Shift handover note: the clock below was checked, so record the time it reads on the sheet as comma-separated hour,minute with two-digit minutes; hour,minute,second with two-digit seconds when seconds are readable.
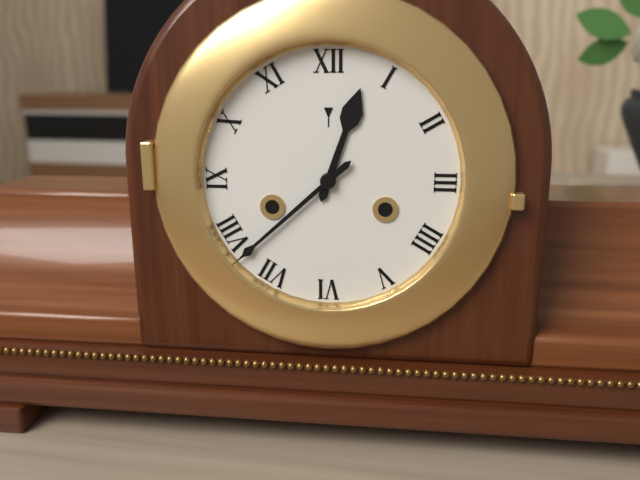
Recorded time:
12,38
